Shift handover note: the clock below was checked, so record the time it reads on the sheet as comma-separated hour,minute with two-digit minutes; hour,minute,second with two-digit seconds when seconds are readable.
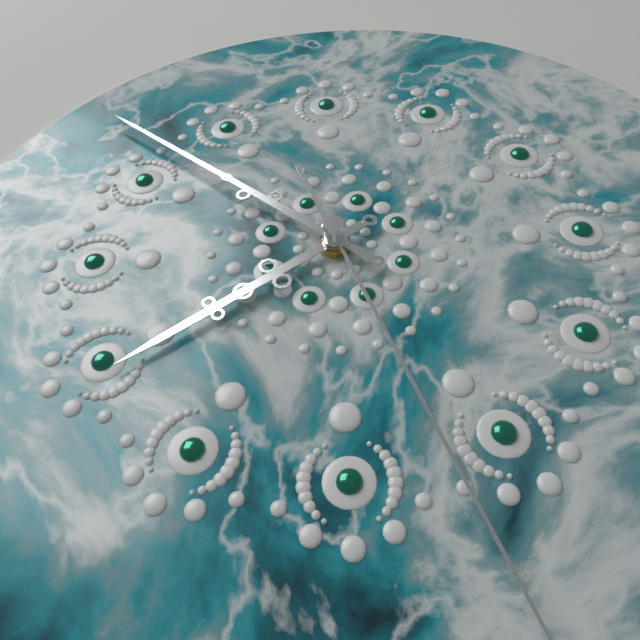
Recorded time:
7,52
